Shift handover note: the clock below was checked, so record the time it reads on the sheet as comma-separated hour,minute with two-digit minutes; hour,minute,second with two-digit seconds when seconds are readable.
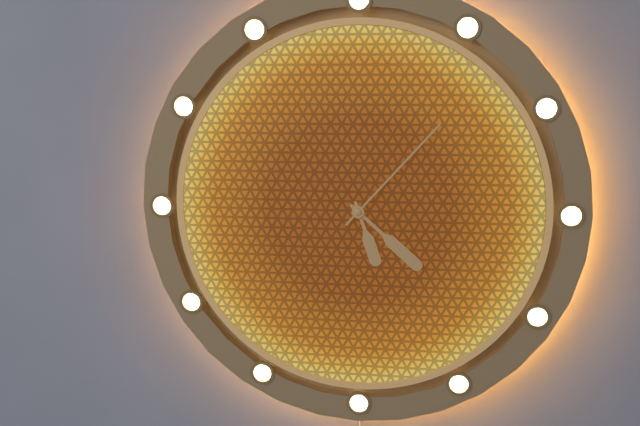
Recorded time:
5,22,07
